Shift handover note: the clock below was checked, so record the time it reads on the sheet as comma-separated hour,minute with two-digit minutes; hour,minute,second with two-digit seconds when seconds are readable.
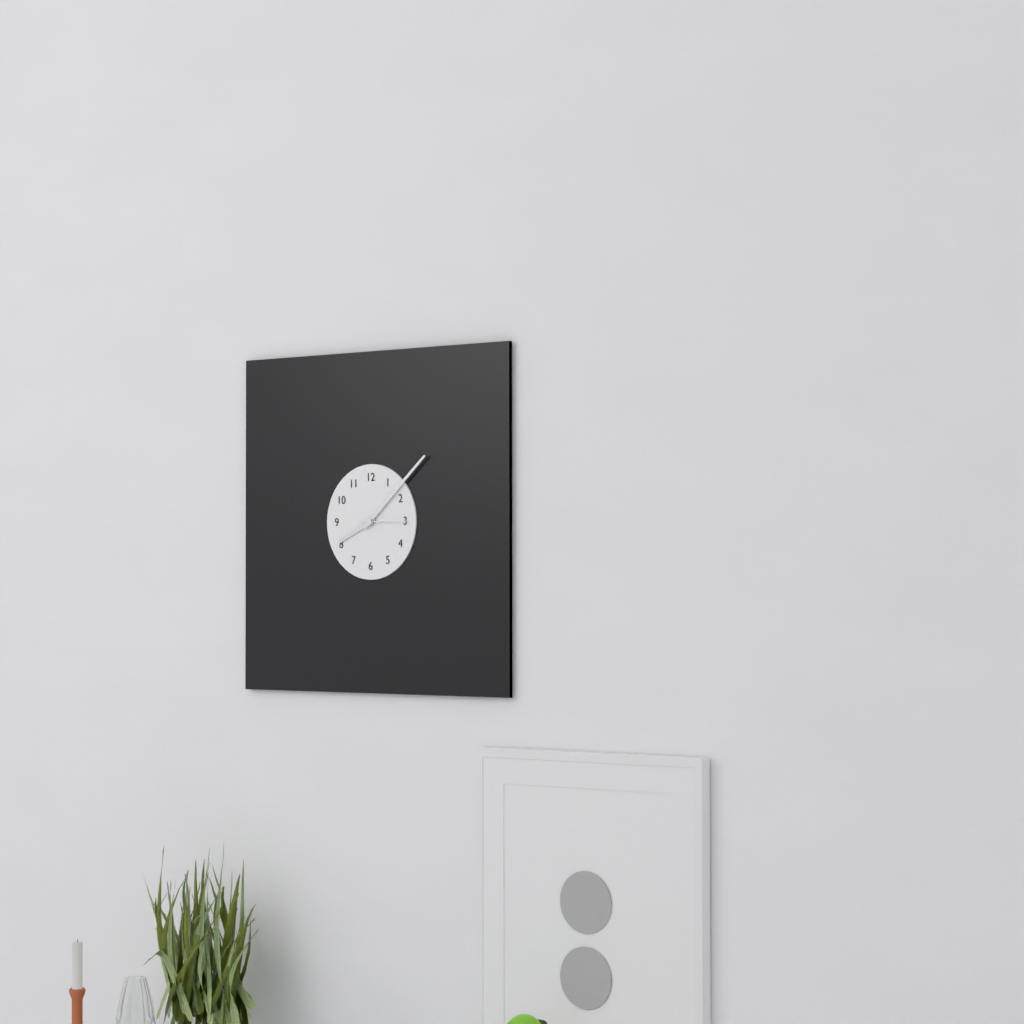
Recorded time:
8,08
